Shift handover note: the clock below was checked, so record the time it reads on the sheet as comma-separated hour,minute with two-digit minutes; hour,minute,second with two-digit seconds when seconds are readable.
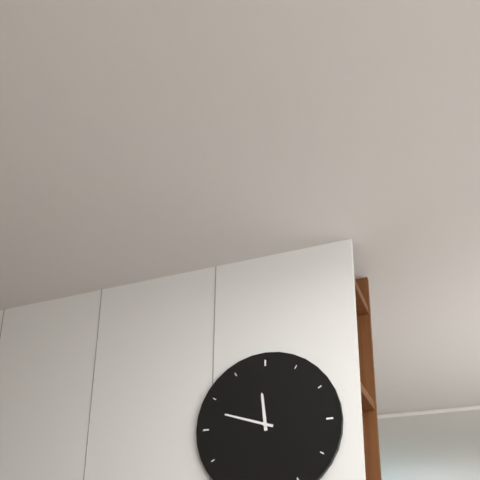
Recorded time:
11,48
